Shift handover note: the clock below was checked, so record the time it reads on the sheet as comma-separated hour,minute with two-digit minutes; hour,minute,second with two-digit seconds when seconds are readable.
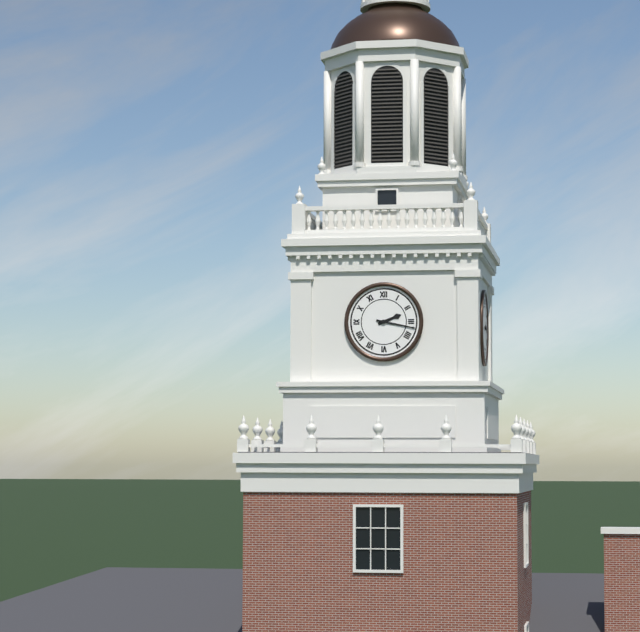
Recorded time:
2,17
